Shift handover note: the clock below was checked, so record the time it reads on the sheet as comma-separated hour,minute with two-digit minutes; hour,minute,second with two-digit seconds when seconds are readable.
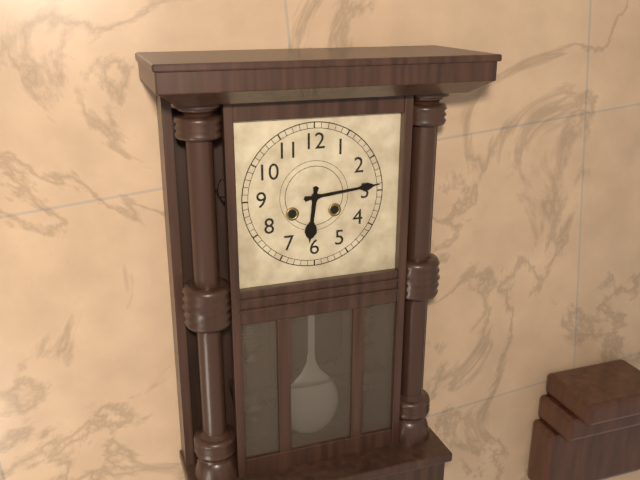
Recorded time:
6,14
